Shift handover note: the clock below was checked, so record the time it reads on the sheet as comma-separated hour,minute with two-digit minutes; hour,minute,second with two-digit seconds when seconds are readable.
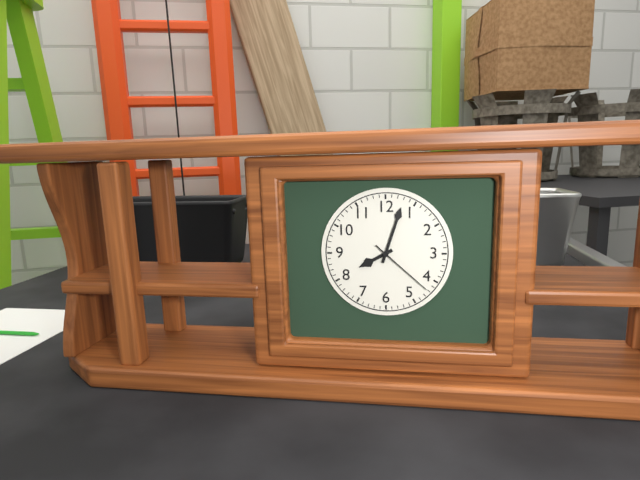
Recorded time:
8,03,22
